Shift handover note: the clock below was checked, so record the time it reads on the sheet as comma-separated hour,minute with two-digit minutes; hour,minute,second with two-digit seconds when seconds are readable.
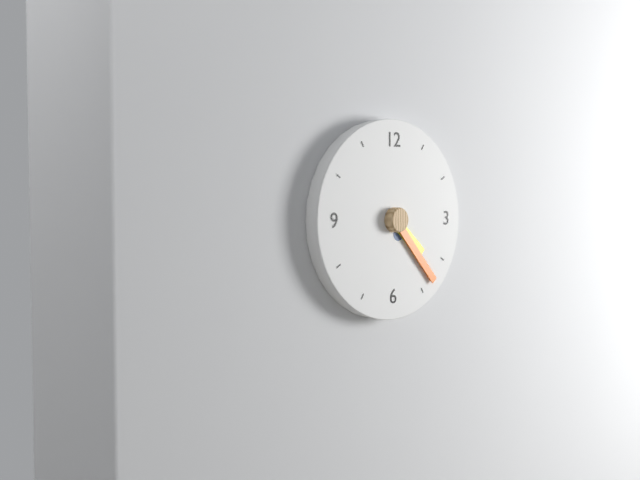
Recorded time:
4,23
